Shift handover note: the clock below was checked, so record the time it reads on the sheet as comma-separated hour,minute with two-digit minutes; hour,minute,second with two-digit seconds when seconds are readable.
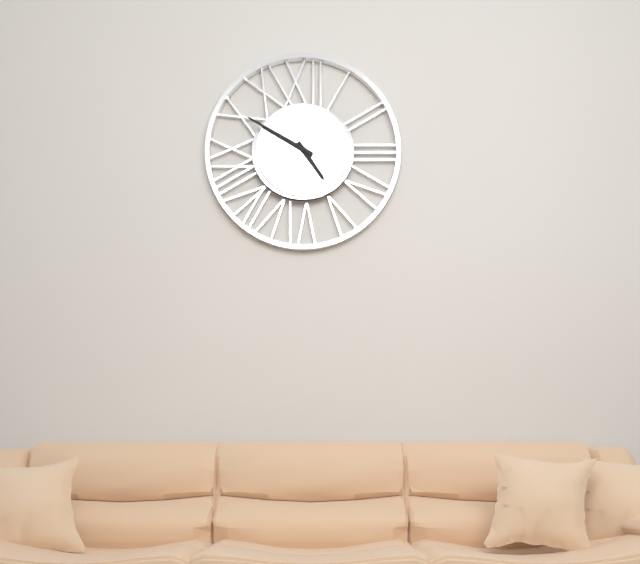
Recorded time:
4,50
